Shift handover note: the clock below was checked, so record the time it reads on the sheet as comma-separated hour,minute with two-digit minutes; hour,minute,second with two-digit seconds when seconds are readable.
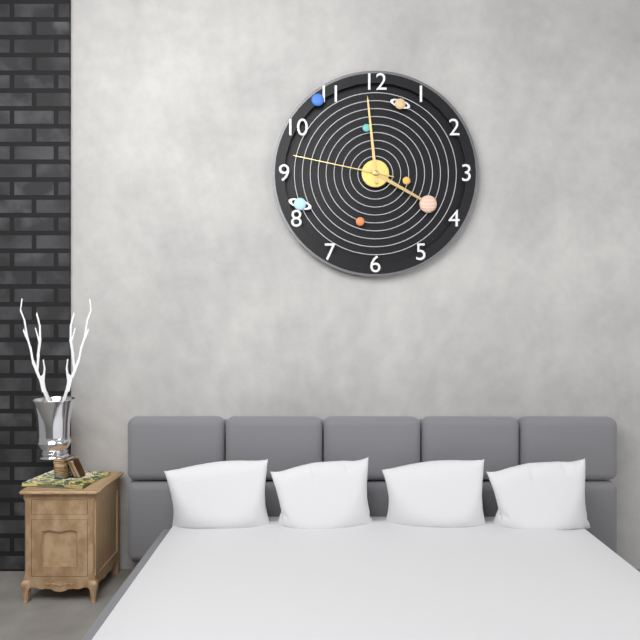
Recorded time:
3,59,47
